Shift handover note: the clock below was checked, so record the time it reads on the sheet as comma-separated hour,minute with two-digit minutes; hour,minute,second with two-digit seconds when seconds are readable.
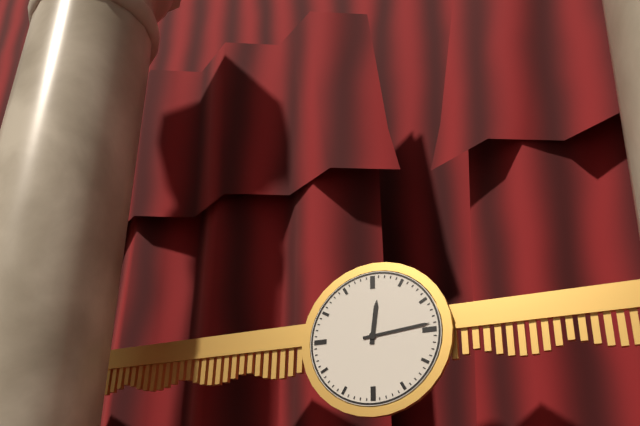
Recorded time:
12,14
